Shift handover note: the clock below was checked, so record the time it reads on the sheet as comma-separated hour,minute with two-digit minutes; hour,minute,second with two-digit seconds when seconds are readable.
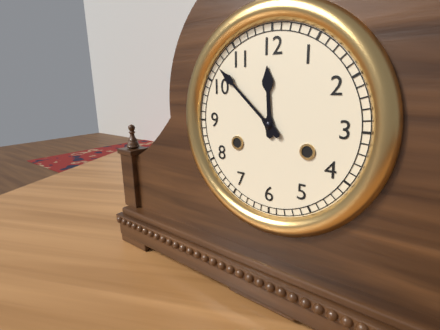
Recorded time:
11,52
